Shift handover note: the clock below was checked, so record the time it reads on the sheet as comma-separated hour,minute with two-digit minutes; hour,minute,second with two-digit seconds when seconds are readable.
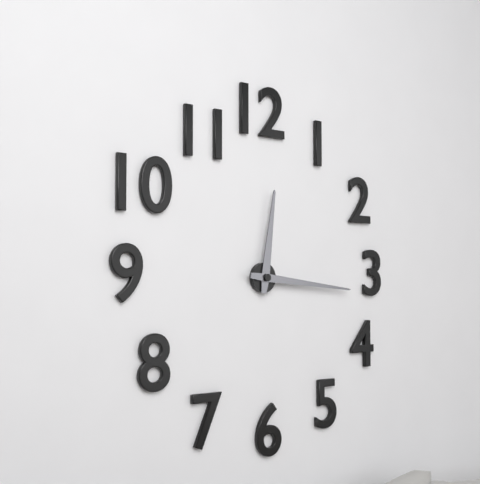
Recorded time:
12,16
